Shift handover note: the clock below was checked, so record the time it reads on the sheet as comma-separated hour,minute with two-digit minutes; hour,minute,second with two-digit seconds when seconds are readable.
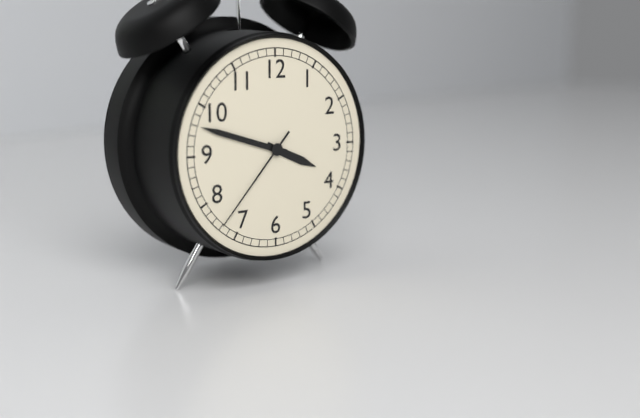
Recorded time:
3,48,37
